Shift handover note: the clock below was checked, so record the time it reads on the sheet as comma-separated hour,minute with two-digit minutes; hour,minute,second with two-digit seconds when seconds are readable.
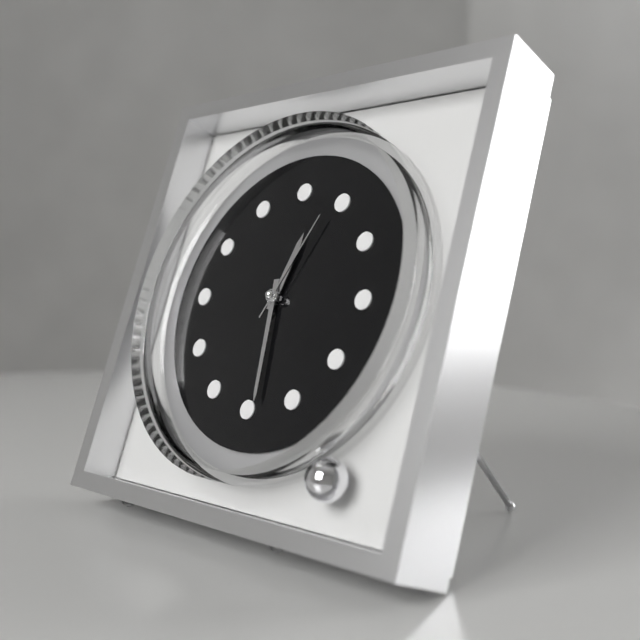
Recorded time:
12,29,04
